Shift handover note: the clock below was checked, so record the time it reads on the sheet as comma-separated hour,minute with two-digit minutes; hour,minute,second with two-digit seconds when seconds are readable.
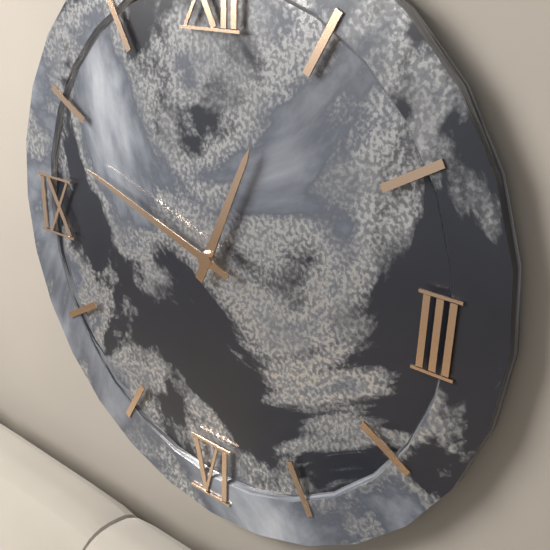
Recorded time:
12,48
